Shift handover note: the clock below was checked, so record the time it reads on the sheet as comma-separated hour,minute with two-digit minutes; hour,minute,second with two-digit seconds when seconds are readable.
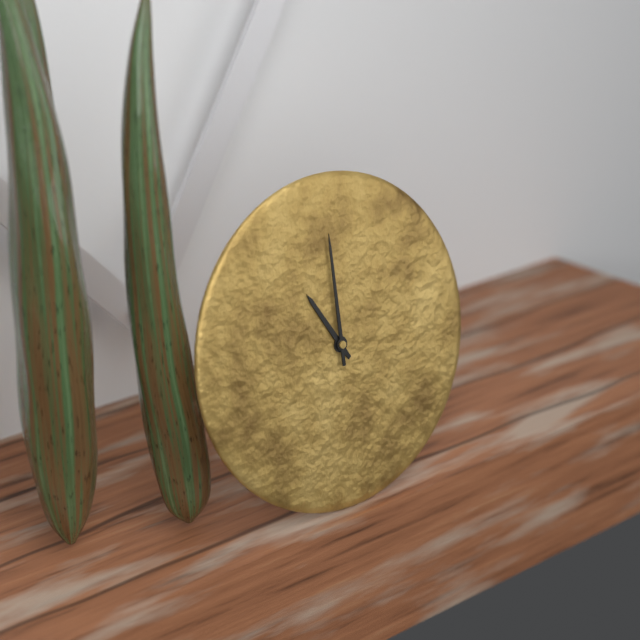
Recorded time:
11,00
